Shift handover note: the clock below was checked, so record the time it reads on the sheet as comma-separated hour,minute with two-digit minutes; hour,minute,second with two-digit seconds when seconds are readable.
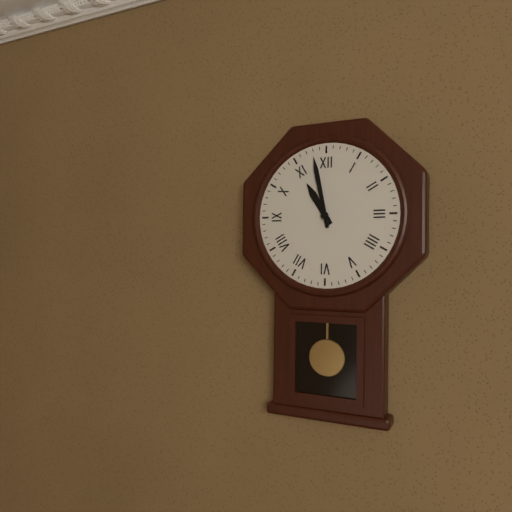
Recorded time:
10,58
